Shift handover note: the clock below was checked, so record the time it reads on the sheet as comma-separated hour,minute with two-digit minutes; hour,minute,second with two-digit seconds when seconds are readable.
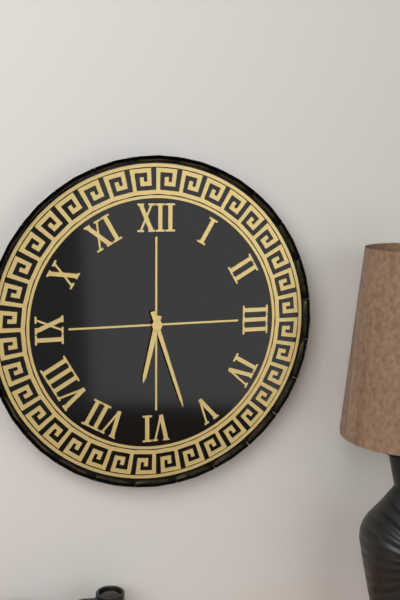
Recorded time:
6,27
